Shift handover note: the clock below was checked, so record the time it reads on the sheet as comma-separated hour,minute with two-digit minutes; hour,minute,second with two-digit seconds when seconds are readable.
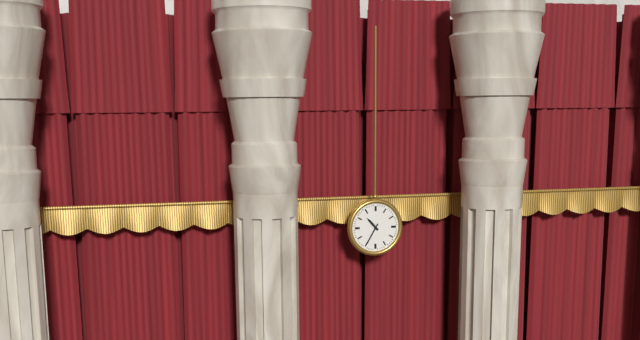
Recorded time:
10,35
